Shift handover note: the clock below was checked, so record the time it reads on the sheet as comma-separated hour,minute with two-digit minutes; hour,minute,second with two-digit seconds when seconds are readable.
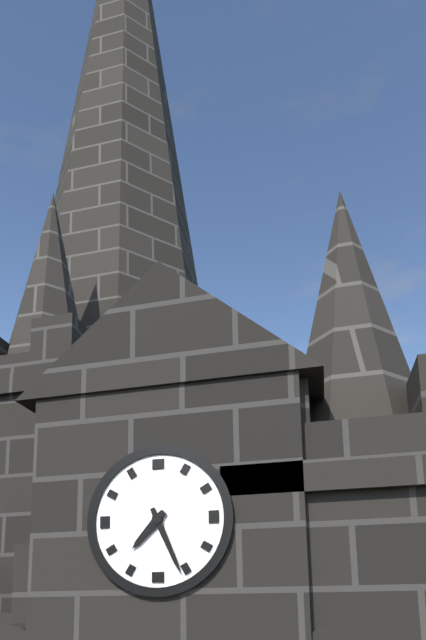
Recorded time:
7,26
